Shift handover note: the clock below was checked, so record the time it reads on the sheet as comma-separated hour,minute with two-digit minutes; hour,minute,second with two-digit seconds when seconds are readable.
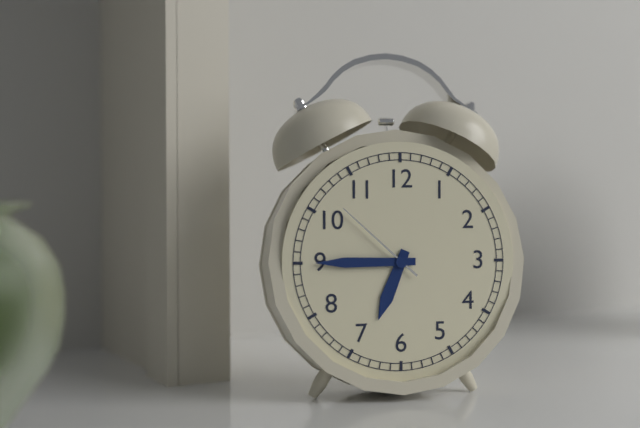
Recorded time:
6,45,52
